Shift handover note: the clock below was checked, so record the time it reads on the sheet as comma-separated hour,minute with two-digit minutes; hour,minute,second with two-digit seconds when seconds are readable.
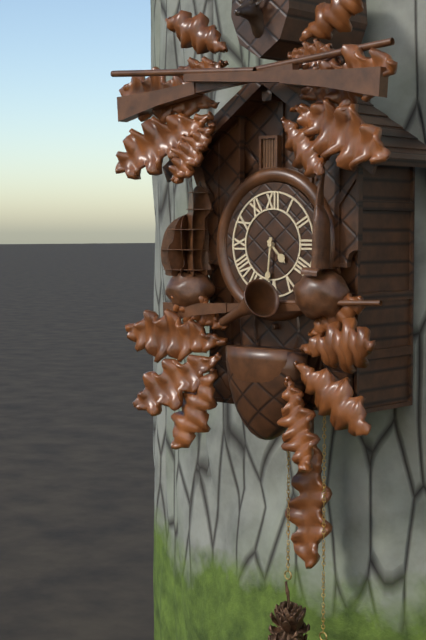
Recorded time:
4,31
